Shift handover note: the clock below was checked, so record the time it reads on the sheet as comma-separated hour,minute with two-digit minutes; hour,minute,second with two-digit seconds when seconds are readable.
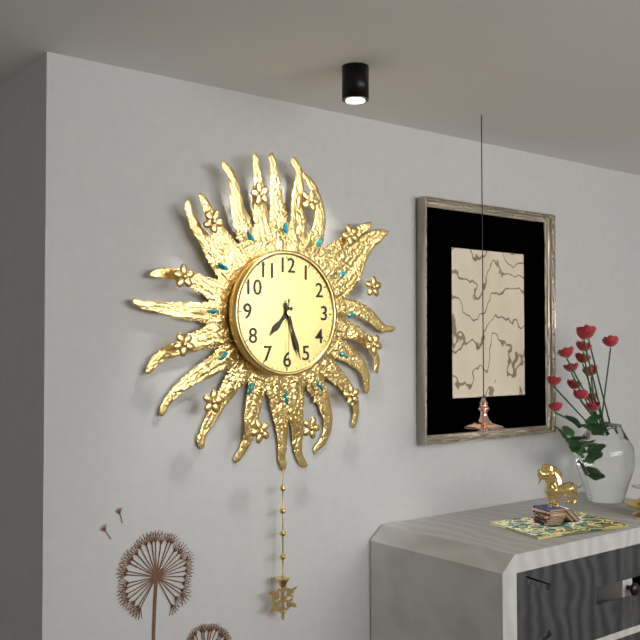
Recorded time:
7,27,30
